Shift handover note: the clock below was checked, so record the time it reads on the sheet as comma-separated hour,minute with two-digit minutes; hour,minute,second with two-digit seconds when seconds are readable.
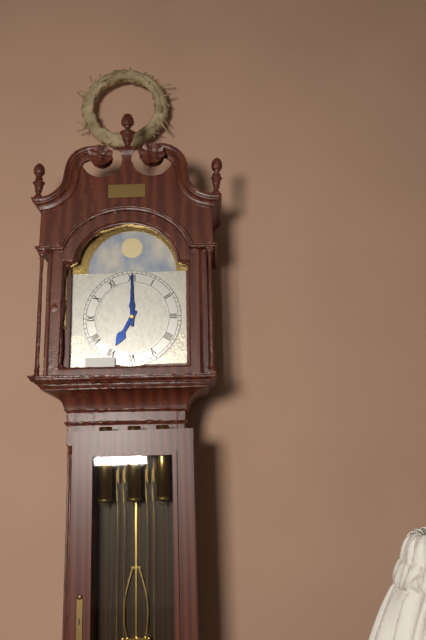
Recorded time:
7,00
